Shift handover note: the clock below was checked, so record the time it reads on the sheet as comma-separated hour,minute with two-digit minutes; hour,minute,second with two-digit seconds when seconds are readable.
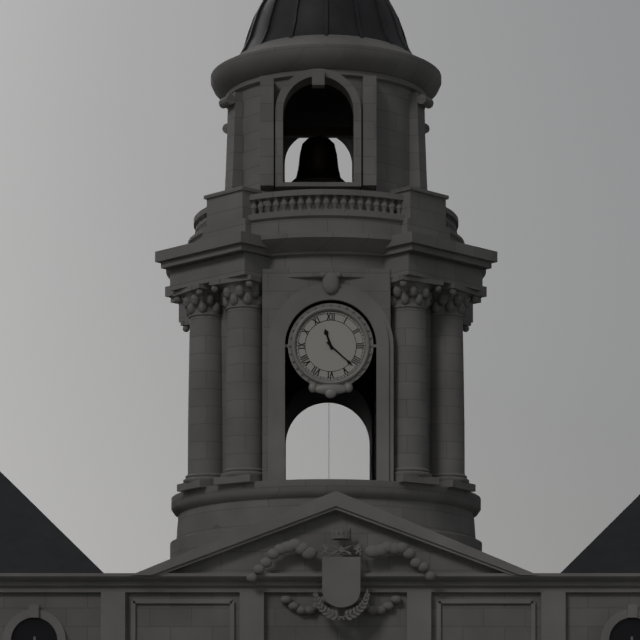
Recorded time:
11,22
